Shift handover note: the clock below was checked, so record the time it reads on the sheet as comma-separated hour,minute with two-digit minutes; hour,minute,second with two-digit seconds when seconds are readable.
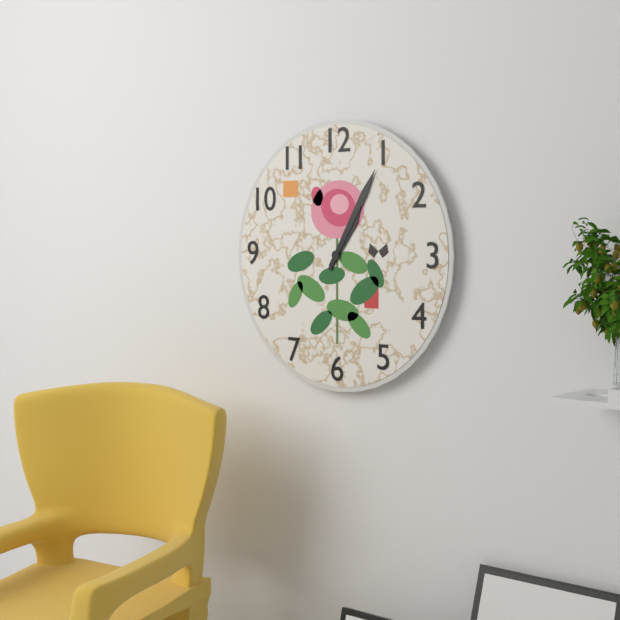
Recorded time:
1,05
